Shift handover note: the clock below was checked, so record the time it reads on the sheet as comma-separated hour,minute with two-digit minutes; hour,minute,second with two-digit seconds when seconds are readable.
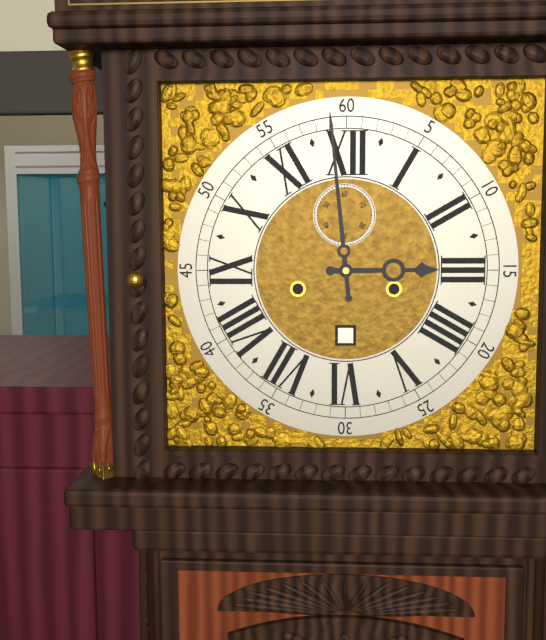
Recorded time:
2,59
